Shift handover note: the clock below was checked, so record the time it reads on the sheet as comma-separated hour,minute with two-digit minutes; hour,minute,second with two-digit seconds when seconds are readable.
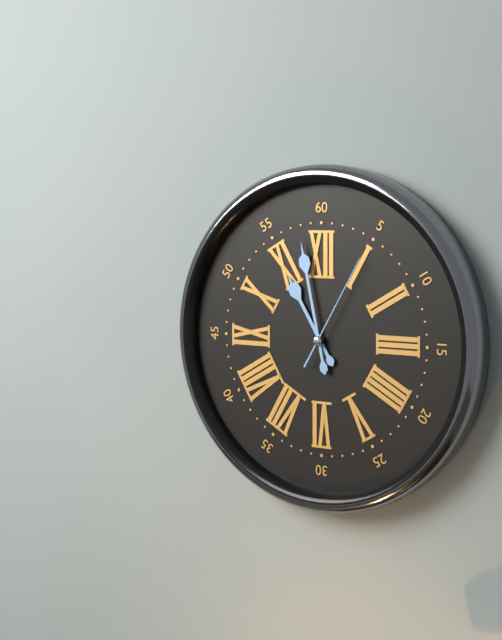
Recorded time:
10,58,05
